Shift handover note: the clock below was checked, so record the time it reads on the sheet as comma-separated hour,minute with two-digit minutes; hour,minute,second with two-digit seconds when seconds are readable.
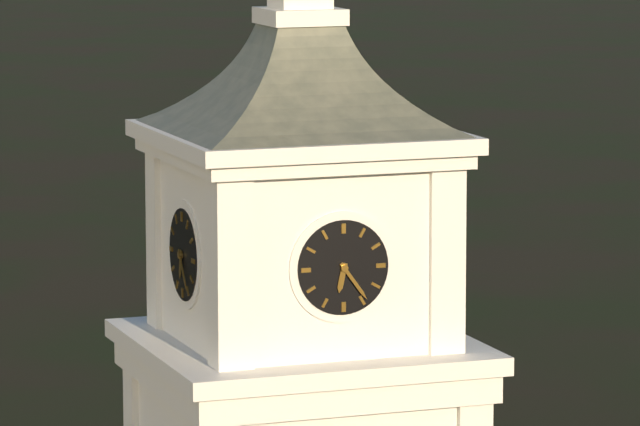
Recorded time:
6,24
